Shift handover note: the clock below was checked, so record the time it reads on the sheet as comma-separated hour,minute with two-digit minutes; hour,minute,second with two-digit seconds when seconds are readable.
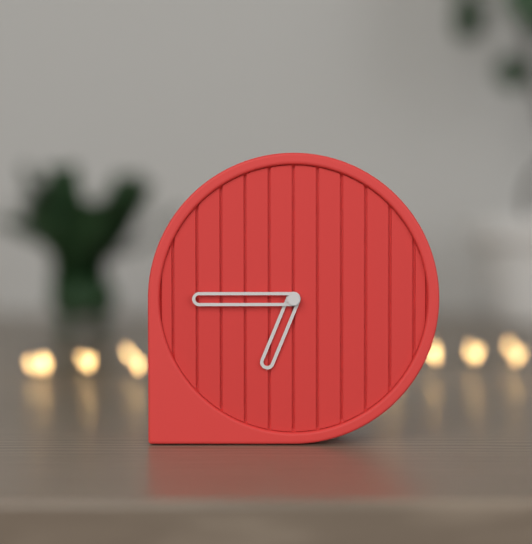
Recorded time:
6,45
